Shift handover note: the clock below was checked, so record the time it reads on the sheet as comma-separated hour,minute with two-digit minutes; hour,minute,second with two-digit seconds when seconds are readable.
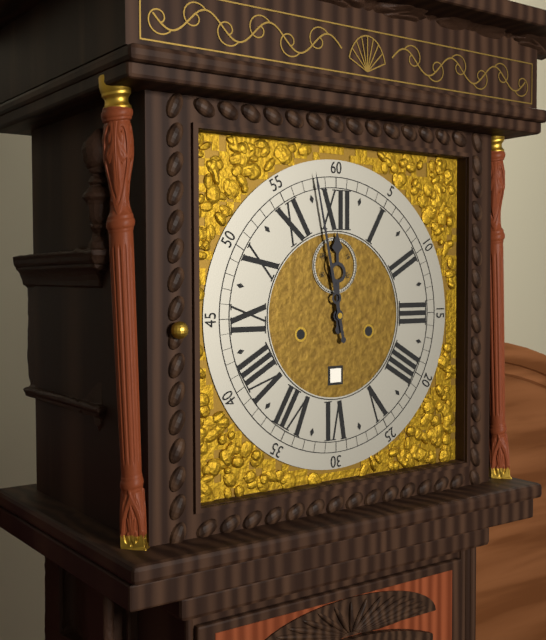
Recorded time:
11,58
